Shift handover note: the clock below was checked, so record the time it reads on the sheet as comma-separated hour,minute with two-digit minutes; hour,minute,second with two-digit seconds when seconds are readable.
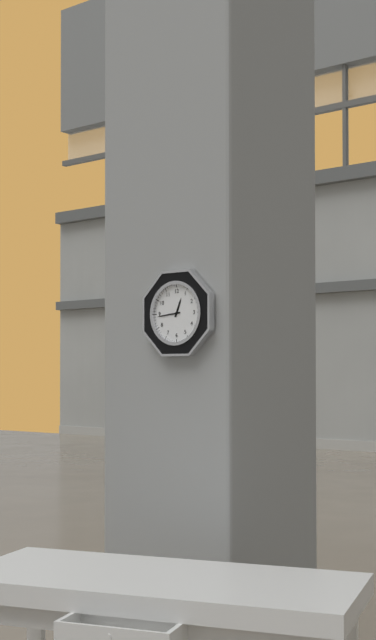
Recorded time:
12,44
